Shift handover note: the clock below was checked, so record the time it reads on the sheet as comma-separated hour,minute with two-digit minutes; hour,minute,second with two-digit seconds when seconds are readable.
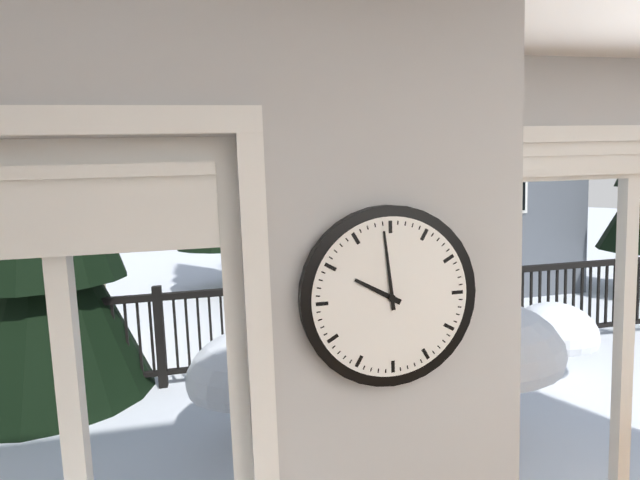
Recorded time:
9,59
